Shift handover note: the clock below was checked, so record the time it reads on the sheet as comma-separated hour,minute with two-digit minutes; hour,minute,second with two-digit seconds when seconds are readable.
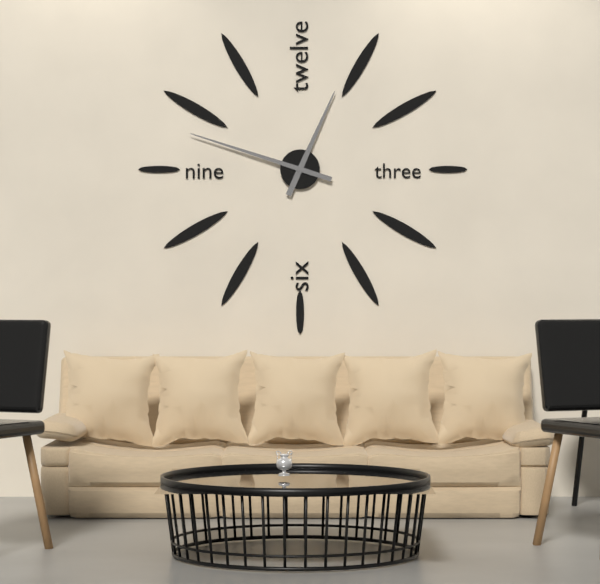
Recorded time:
12,48
